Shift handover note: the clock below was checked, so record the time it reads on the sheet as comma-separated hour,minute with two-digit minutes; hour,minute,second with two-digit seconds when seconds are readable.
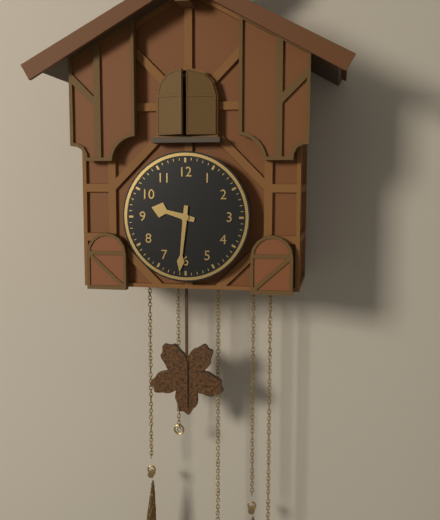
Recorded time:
9,31
